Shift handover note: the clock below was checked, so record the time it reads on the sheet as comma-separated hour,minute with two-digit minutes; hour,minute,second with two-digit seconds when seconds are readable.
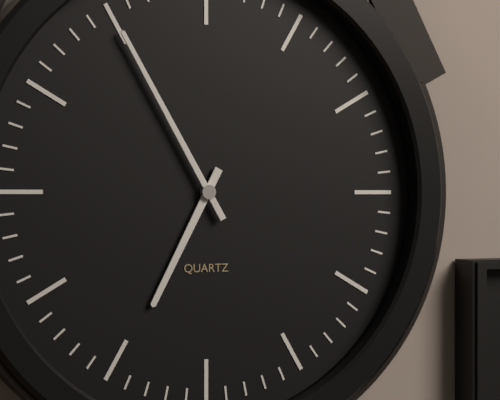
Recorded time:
6,55
